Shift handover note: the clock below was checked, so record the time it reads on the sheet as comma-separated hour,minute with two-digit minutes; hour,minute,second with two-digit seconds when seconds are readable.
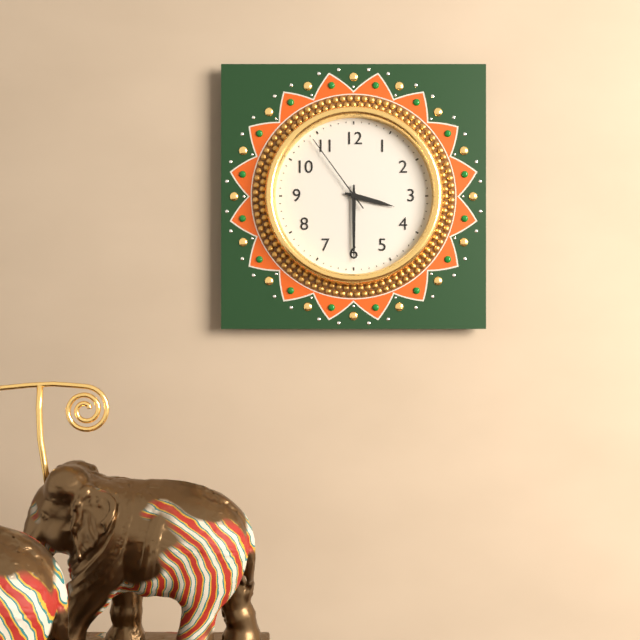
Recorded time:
3,30,54
